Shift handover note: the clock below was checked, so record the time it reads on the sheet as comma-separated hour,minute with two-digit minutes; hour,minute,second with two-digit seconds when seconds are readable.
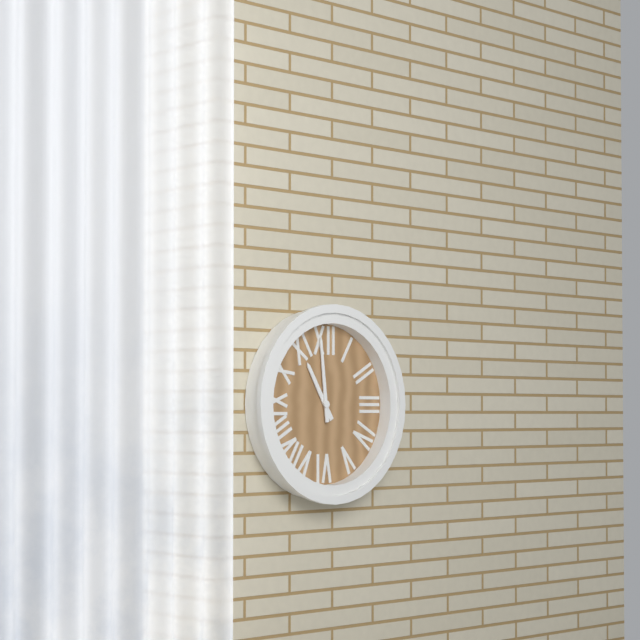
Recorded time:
10,59
